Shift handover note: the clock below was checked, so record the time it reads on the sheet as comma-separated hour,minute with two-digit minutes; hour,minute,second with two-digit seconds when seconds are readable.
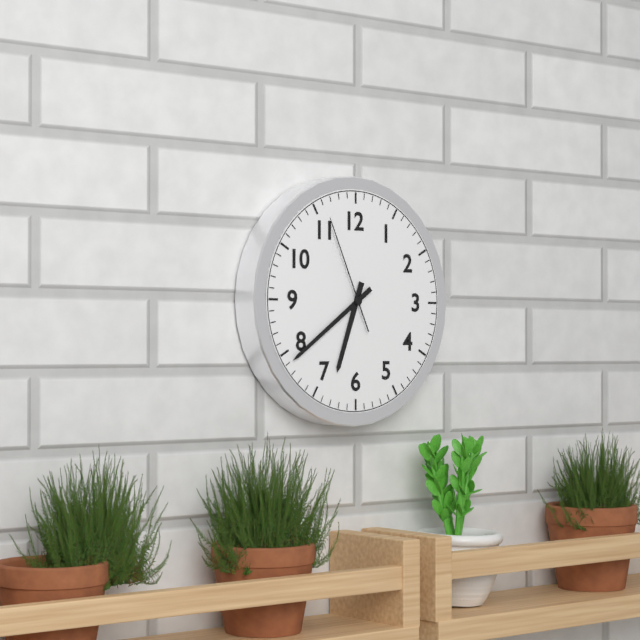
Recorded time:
6,39,56
